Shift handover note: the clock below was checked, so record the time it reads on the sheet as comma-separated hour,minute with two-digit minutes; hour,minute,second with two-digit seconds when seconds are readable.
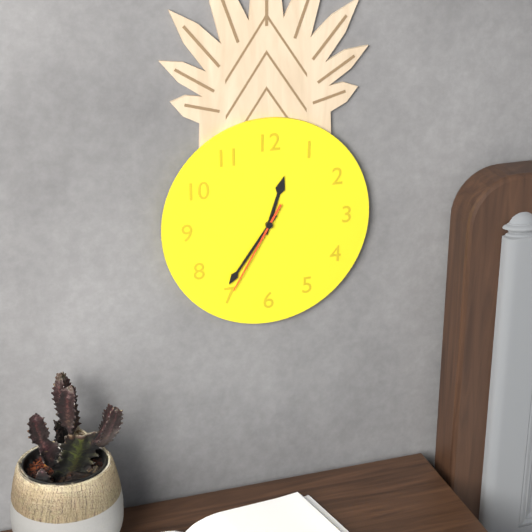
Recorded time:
12,36,35
